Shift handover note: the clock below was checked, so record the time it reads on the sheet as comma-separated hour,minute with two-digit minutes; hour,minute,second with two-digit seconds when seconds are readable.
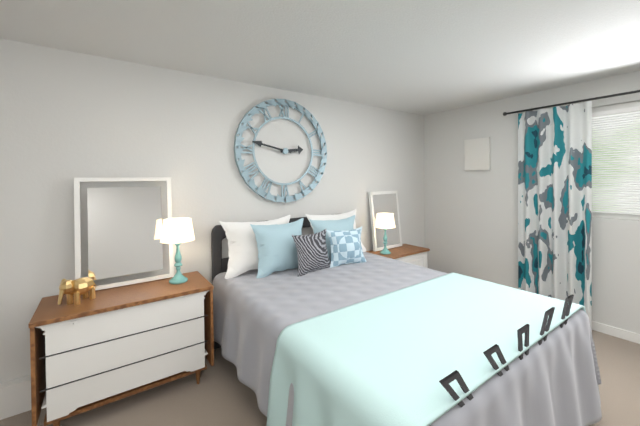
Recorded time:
2,47
